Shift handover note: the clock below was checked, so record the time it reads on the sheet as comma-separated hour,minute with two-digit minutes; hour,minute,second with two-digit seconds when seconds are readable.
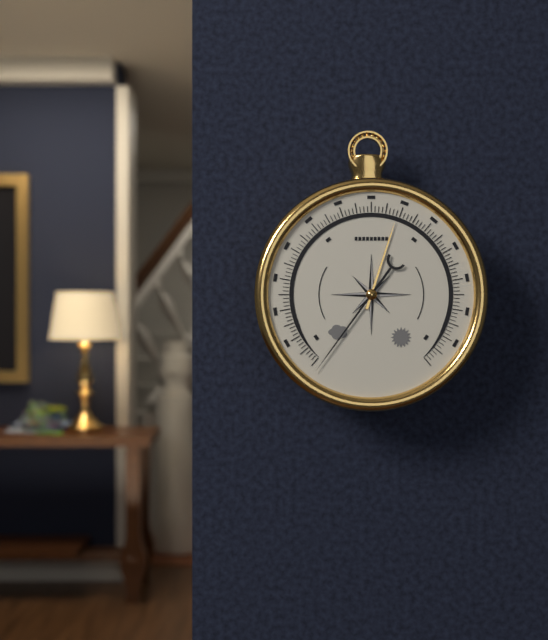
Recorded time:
12,36
